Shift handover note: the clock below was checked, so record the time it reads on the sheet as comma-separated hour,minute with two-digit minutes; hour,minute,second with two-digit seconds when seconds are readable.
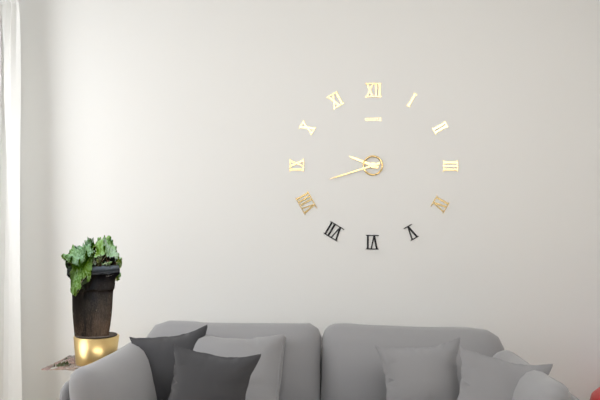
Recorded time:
9,42
